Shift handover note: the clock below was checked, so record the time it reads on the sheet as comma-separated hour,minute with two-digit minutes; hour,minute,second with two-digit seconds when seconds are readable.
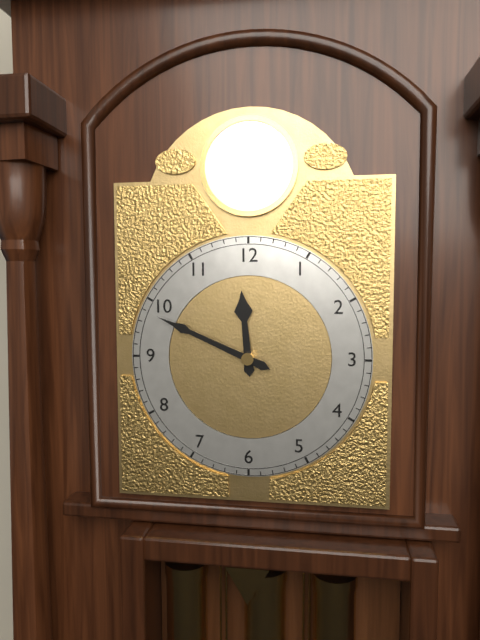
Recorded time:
11,49
